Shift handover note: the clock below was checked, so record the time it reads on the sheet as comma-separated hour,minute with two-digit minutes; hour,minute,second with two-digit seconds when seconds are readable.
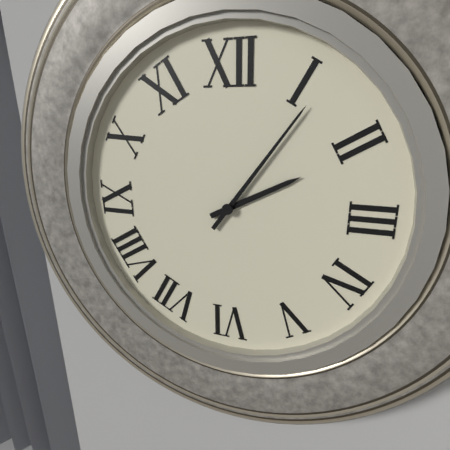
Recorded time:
2,06
